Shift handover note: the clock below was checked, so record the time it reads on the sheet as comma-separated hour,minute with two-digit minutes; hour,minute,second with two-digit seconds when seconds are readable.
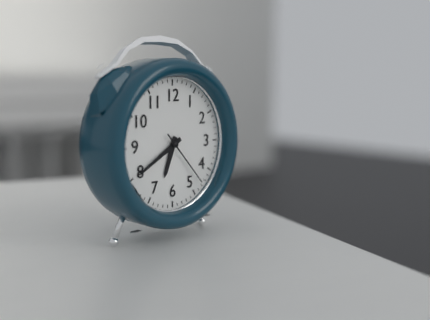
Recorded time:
6,40,23
